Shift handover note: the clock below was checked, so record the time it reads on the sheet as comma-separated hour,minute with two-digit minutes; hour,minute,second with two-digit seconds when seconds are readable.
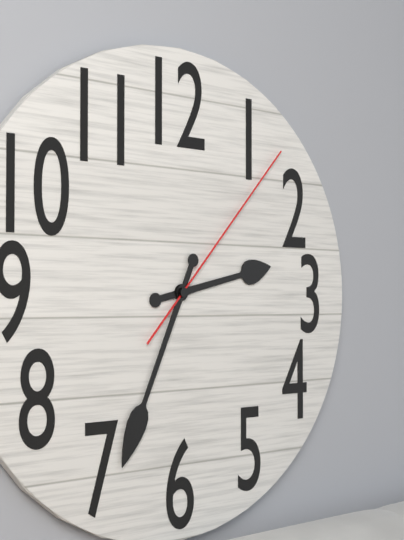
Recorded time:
2,34,07
